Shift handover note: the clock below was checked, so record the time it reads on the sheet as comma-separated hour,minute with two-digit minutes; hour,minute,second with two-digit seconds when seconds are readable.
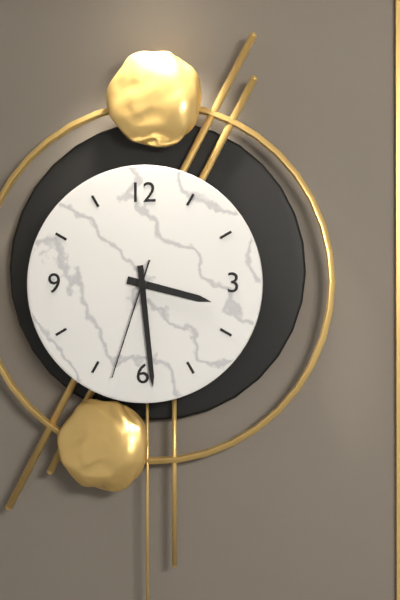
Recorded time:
3,29,33
